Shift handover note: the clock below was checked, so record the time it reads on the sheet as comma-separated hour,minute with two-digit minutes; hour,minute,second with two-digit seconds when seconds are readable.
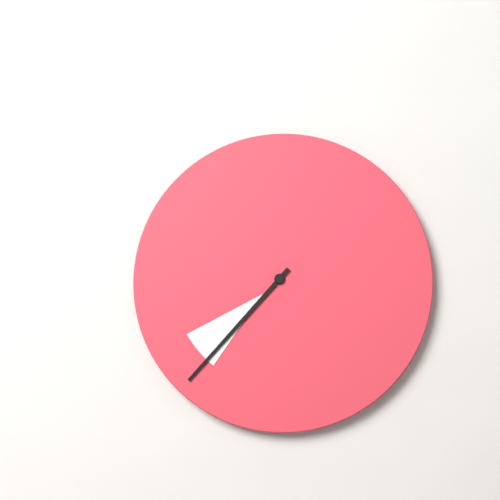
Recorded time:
7,37
